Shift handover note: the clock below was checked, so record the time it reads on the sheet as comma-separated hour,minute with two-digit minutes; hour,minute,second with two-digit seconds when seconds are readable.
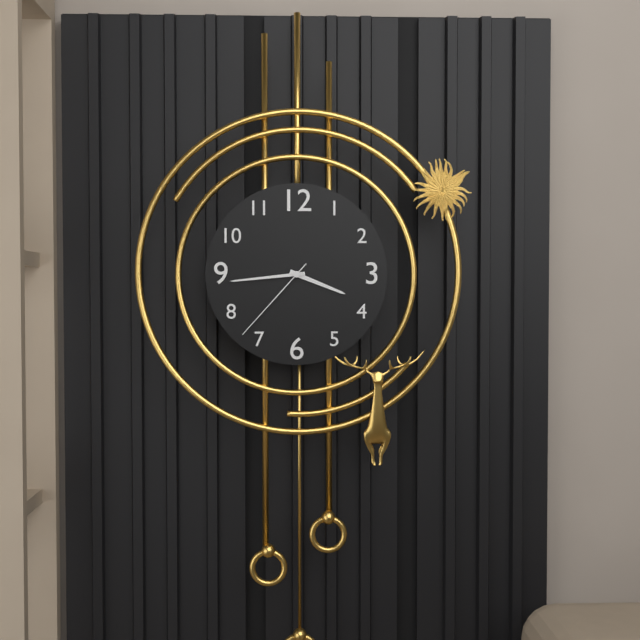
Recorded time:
3,44,37
